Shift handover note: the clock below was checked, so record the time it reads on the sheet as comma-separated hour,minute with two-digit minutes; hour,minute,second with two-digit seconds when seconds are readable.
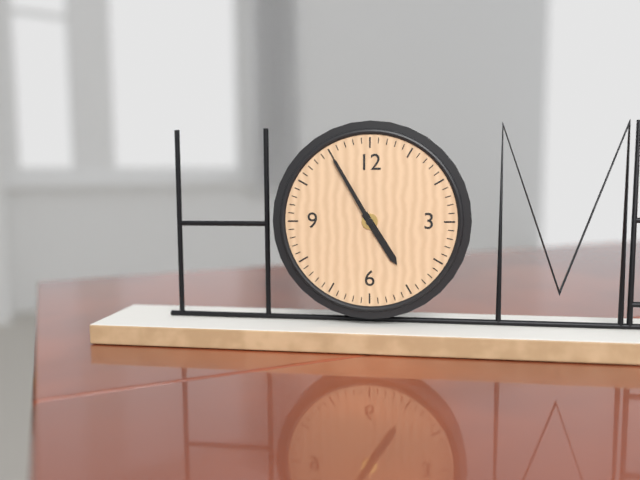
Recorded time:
4,55
